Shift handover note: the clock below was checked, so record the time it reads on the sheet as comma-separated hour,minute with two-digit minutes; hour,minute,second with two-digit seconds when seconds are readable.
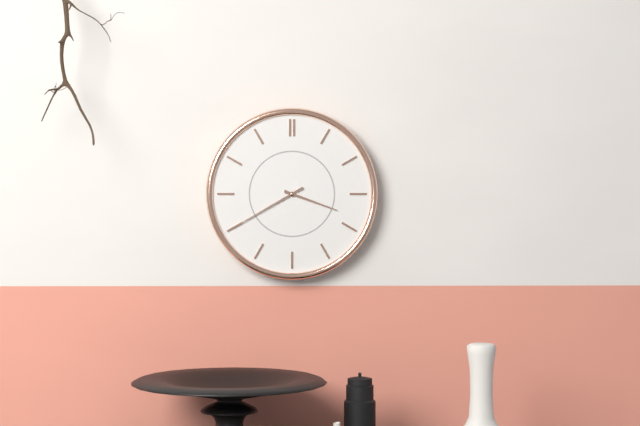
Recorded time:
3,40
